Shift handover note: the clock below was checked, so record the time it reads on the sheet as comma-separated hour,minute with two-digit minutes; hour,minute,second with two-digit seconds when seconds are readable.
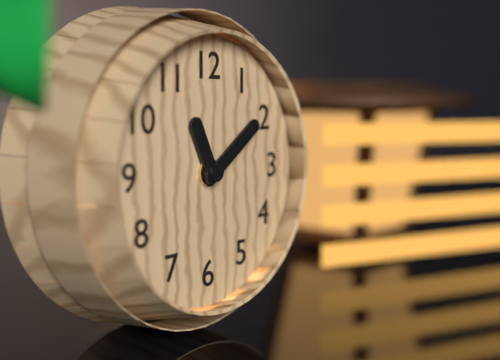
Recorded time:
11,09
